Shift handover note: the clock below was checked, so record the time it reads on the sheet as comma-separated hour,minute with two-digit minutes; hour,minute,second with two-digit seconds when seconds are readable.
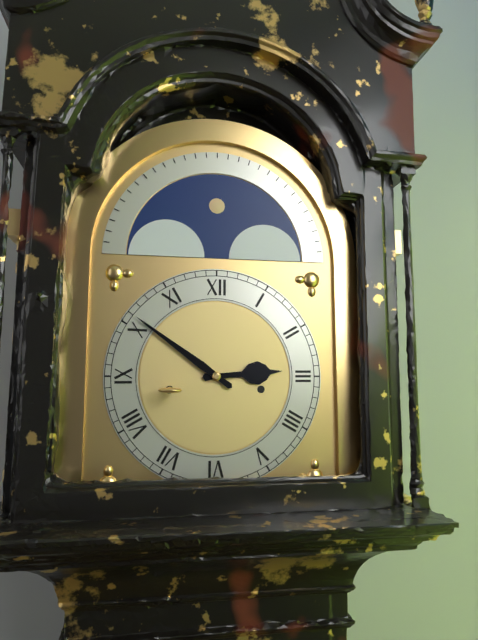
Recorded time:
2,51
